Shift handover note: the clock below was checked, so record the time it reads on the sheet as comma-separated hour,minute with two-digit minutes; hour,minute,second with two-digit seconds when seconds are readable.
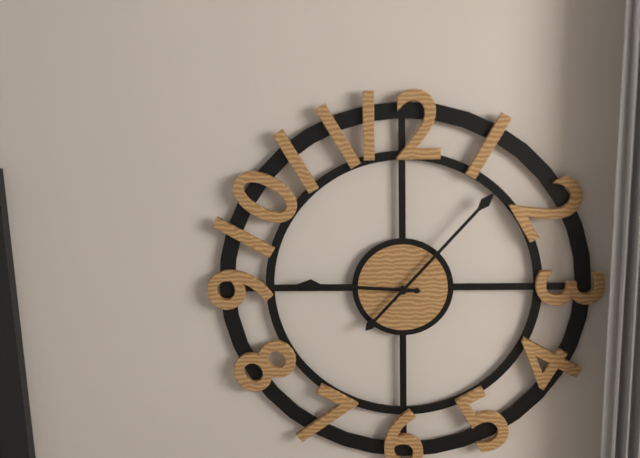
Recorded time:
9,07
